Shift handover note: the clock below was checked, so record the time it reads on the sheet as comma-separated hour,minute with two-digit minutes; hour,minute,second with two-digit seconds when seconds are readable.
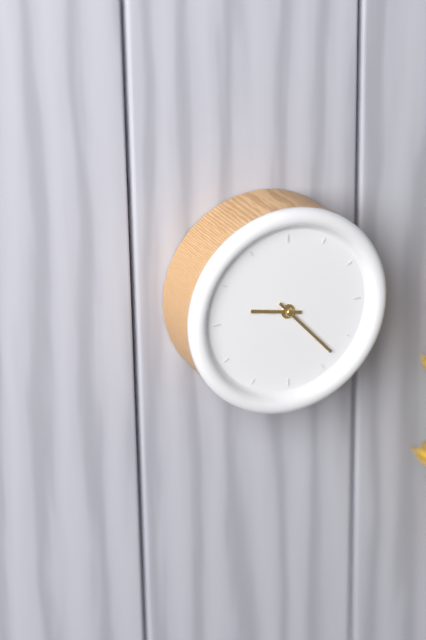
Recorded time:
9,23
